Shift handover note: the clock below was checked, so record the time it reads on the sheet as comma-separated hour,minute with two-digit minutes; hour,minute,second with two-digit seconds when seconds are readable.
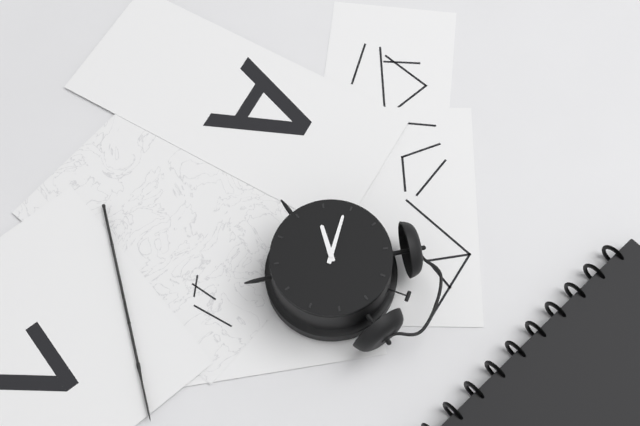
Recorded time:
7,44
